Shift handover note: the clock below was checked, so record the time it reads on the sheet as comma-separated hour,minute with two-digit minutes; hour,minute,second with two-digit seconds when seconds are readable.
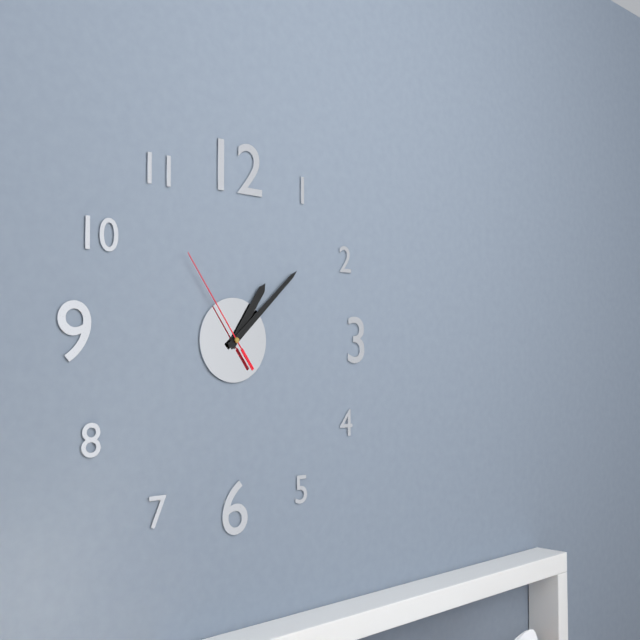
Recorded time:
1,08,54
